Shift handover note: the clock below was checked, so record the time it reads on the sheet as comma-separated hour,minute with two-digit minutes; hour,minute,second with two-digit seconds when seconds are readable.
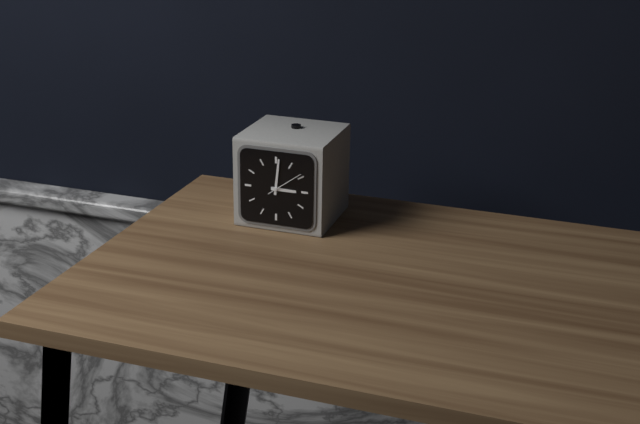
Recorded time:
3,01
